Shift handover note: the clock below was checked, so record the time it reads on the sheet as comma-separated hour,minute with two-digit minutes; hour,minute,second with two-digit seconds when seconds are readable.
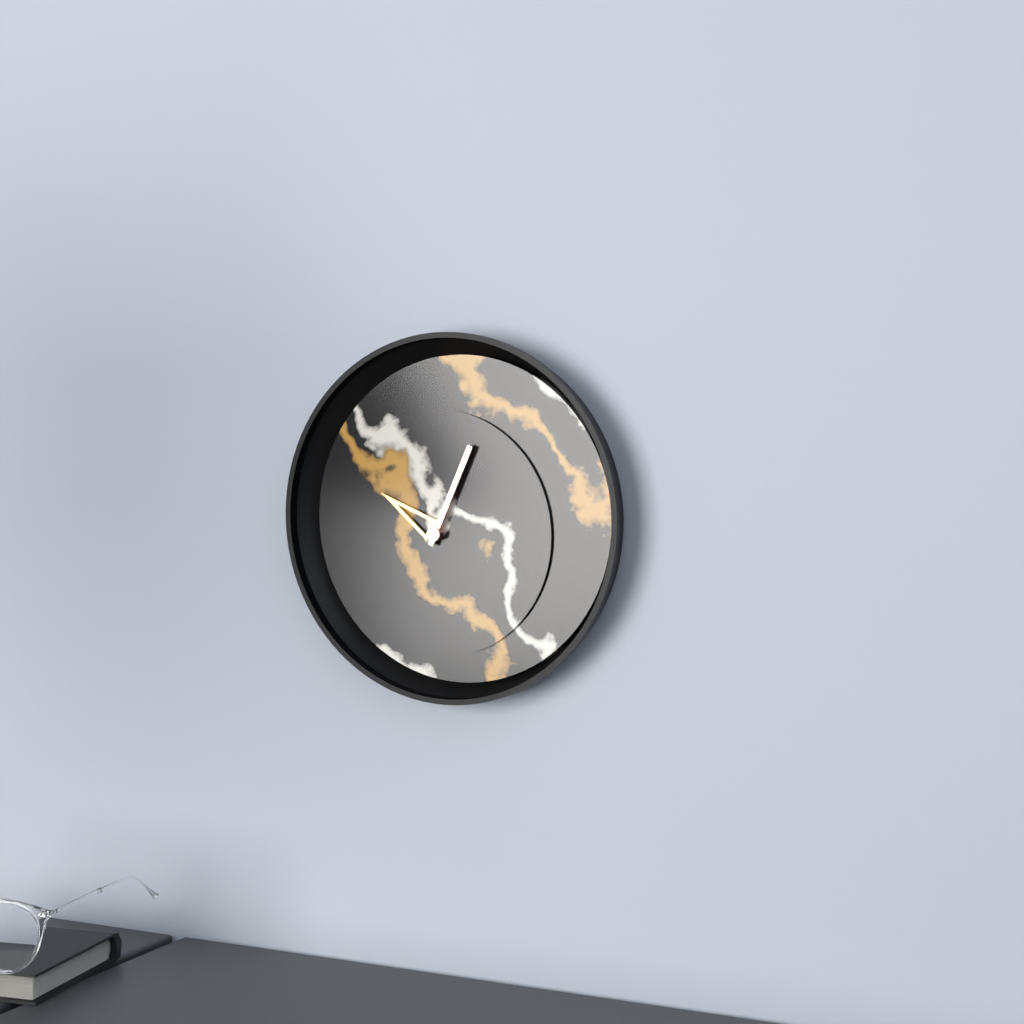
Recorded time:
10,04
